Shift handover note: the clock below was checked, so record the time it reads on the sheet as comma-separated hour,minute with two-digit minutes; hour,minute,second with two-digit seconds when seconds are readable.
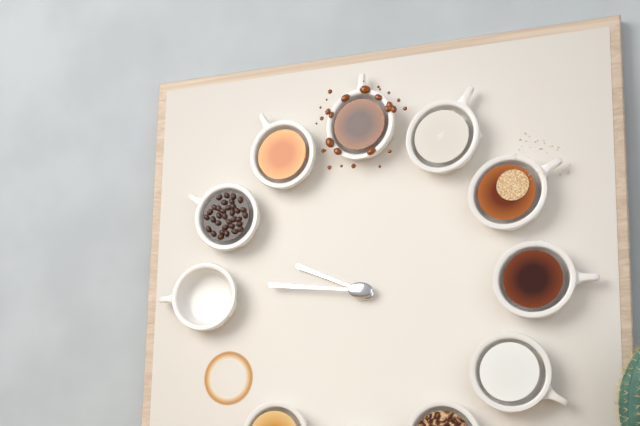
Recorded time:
9,46
